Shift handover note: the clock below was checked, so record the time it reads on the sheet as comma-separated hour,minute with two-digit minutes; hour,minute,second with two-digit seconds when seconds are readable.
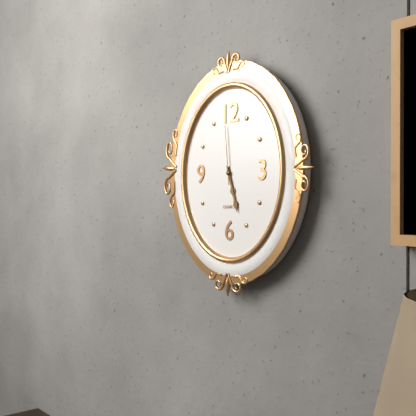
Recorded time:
5,27,59
